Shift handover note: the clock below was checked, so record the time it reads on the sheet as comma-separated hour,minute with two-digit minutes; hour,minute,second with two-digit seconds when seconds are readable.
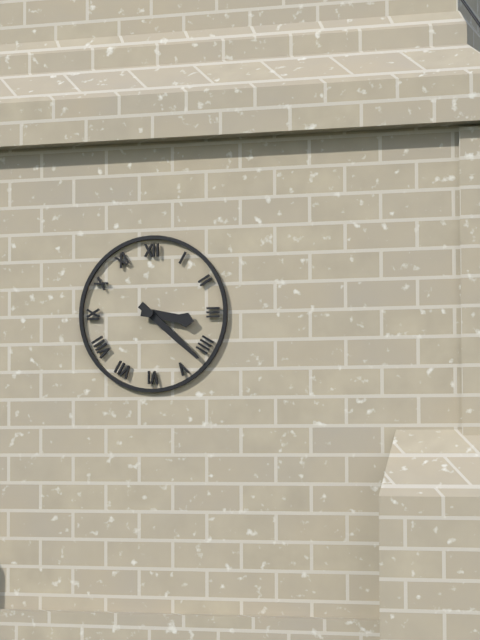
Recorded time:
3,22
